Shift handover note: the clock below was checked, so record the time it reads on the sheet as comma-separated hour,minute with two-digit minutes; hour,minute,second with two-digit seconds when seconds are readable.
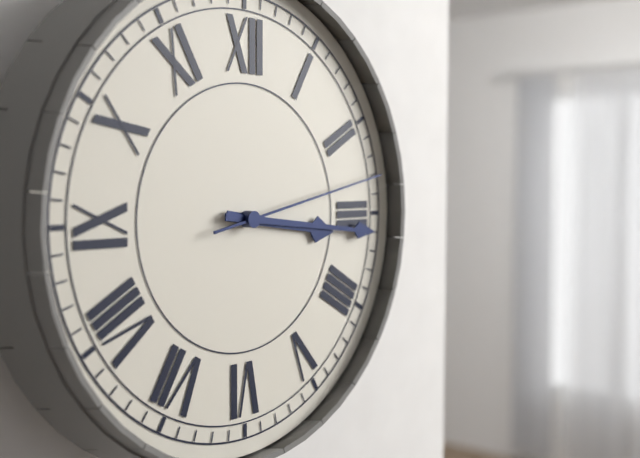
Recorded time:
3,16,13
